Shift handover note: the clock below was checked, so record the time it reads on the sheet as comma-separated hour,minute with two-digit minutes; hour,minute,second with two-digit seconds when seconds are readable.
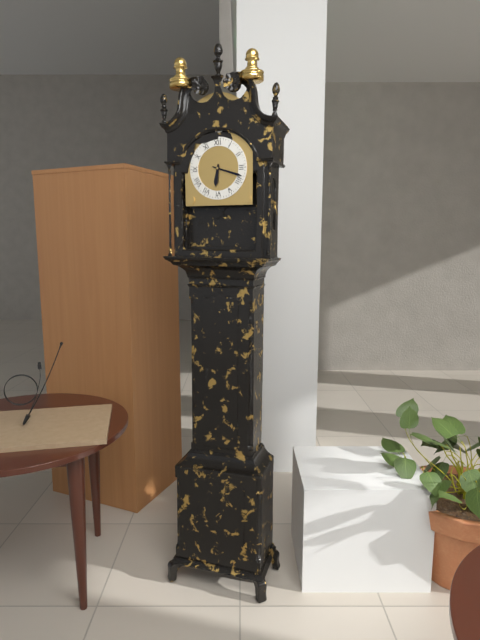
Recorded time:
6,18
